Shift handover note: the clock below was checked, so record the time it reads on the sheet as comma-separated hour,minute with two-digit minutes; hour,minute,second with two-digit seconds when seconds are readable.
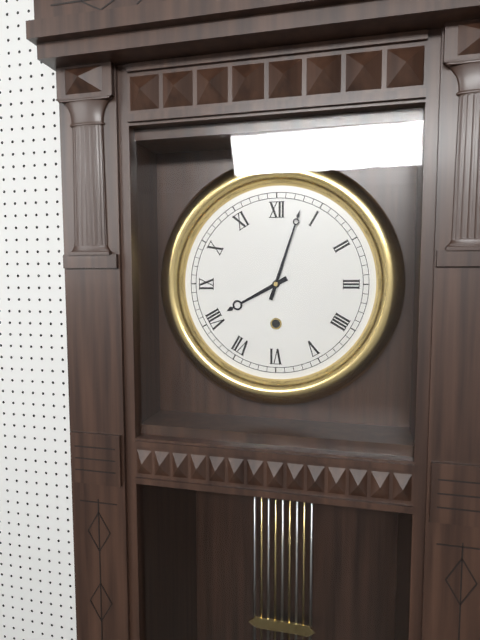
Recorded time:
8,03
